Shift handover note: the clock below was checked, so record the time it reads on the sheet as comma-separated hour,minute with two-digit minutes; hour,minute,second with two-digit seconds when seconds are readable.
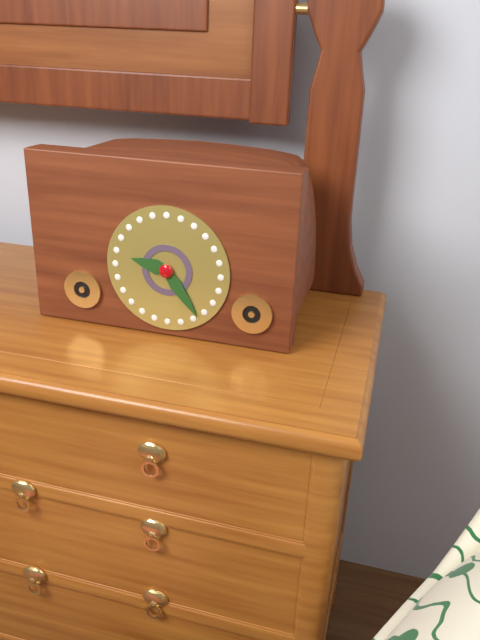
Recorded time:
9,24
